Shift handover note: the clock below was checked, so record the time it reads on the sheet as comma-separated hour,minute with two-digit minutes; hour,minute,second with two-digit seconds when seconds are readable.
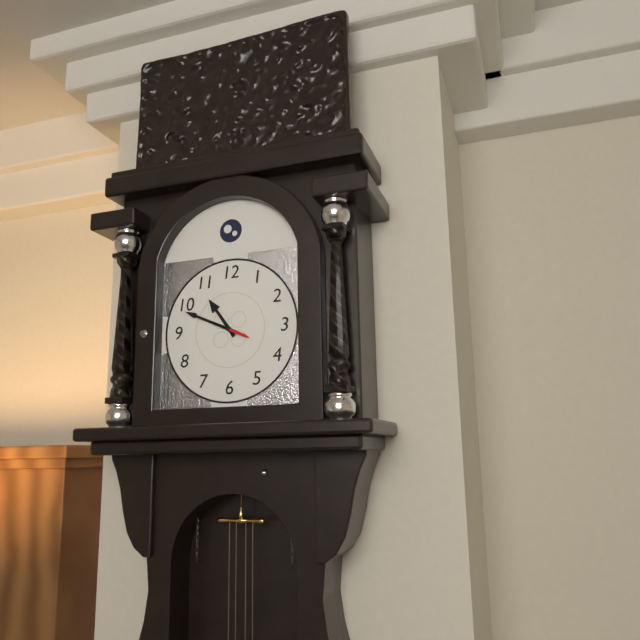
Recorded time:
10,49,49
